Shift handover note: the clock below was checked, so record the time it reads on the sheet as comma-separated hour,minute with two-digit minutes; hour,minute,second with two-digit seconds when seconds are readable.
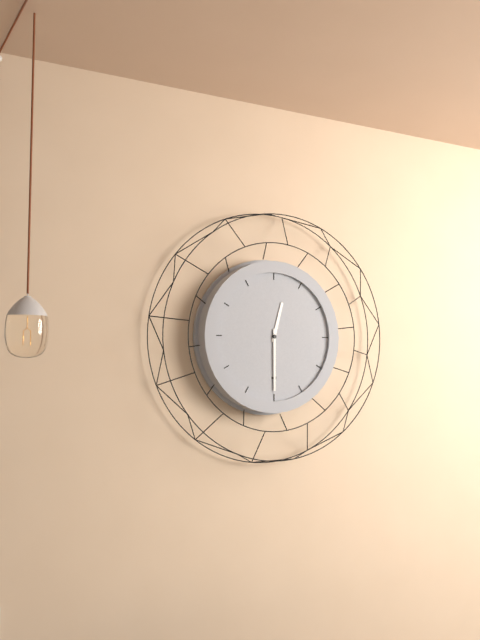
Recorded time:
12,30
